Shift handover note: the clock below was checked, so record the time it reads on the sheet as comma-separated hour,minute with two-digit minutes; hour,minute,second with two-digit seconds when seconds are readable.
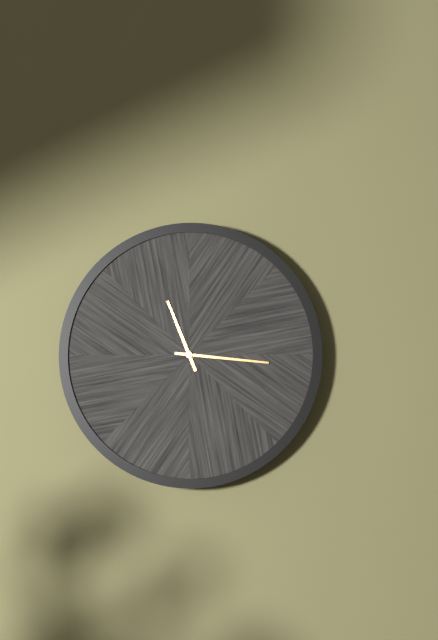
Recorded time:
11,16
